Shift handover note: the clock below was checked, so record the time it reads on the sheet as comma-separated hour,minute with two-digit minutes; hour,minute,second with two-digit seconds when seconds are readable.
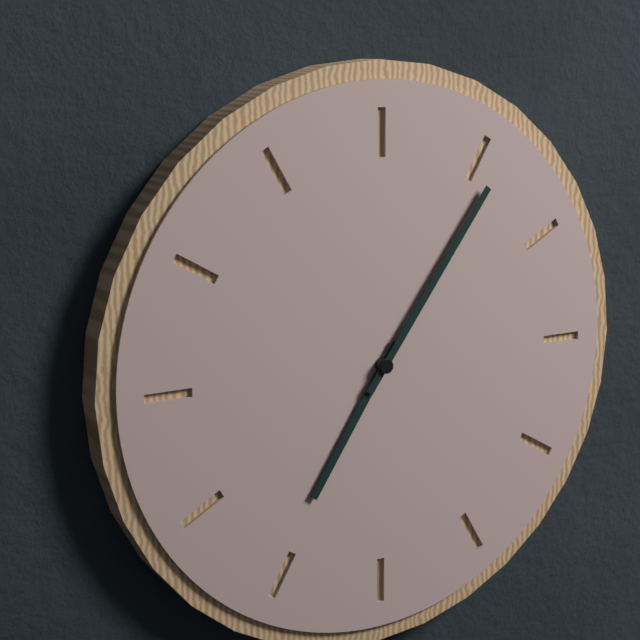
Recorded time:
7,06
